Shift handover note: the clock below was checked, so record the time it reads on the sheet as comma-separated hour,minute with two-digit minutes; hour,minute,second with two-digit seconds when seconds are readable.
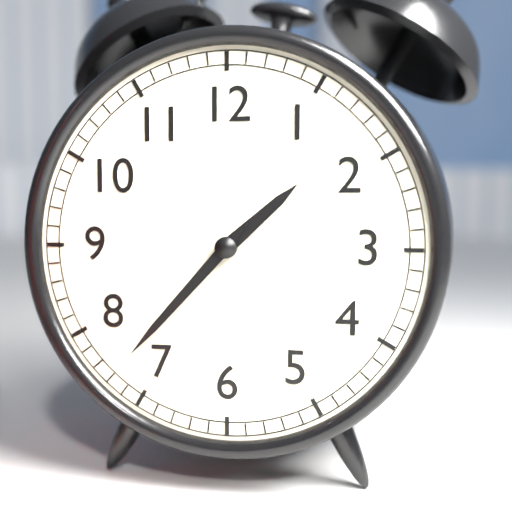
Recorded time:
1,37
